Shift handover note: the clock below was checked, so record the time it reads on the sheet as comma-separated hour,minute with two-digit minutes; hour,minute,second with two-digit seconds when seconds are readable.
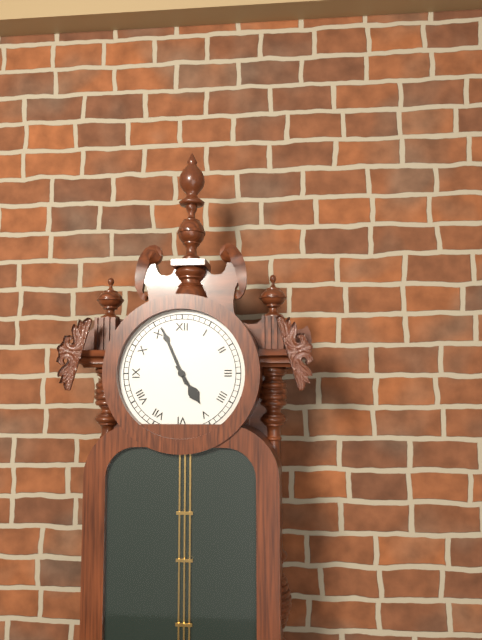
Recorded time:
4,56
